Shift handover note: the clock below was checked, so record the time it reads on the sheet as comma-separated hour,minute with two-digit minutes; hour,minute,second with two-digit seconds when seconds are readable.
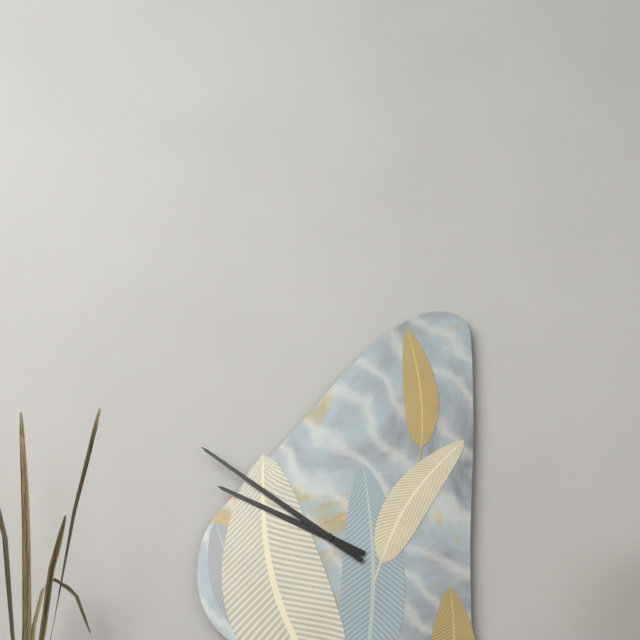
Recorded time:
9,51
